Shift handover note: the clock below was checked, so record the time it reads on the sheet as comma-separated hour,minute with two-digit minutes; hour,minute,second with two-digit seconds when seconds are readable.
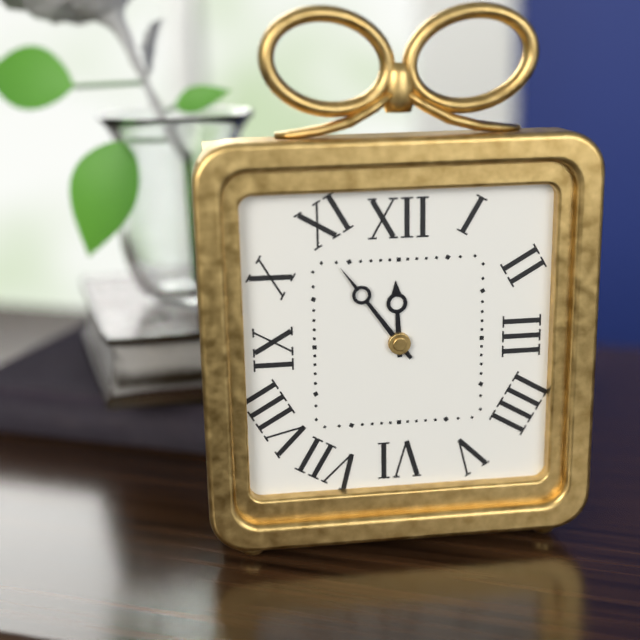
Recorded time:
11,54
